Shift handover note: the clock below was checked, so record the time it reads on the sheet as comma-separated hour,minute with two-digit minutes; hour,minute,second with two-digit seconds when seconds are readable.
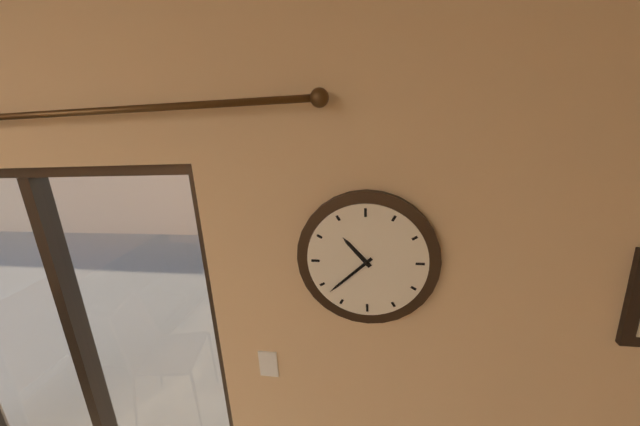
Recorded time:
10,38
